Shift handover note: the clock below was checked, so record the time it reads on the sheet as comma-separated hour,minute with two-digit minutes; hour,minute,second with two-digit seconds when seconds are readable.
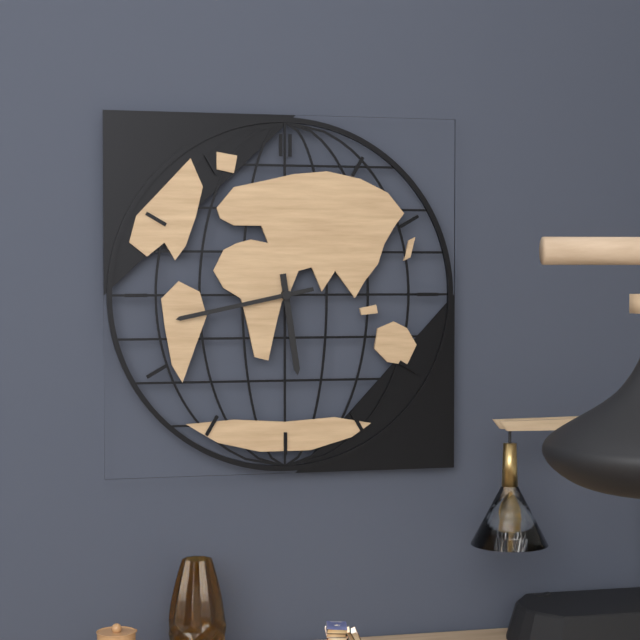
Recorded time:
5,43
